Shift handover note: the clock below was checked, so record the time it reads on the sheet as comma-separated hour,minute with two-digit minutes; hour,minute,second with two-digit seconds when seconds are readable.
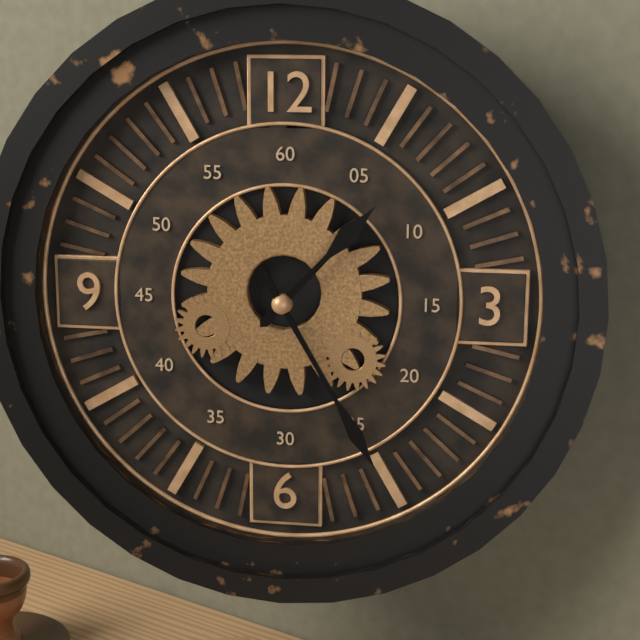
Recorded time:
1,25
